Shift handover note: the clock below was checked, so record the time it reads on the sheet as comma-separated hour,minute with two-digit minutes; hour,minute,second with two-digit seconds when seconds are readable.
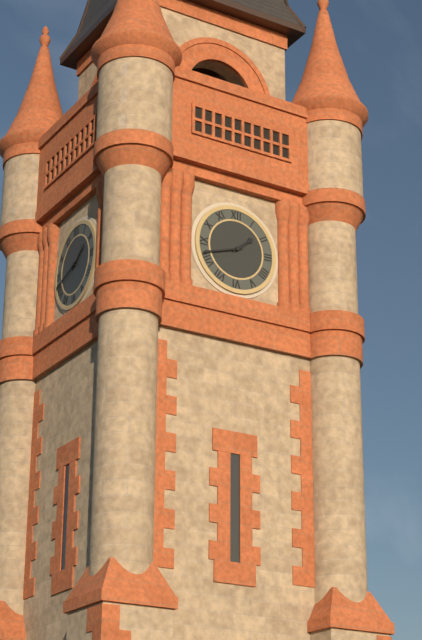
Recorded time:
1,42
